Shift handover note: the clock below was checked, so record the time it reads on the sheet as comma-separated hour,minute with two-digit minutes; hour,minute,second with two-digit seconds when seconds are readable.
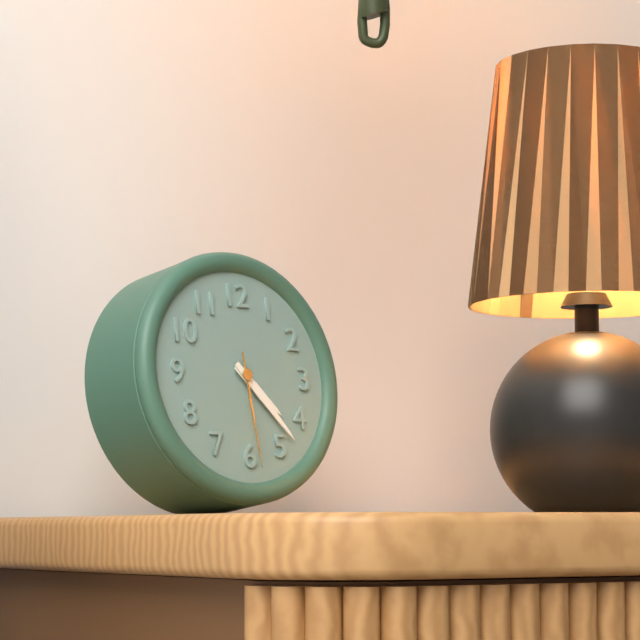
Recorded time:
4,23,29
